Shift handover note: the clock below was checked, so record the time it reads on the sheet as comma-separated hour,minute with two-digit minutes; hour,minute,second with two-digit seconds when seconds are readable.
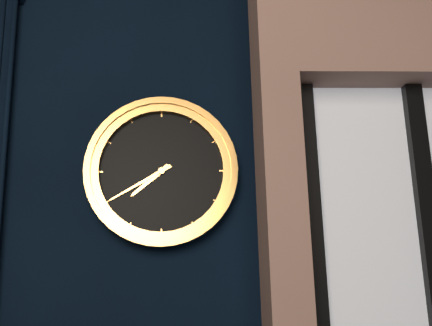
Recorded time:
7,40
